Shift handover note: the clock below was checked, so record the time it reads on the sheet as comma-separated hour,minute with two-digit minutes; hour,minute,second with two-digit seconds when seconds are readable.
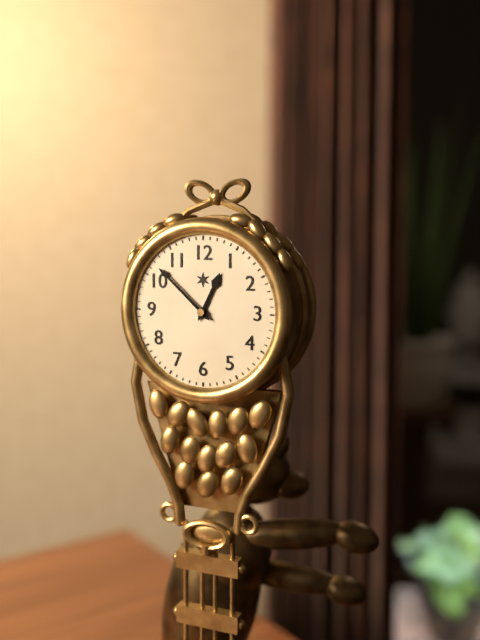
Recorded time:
12,52
